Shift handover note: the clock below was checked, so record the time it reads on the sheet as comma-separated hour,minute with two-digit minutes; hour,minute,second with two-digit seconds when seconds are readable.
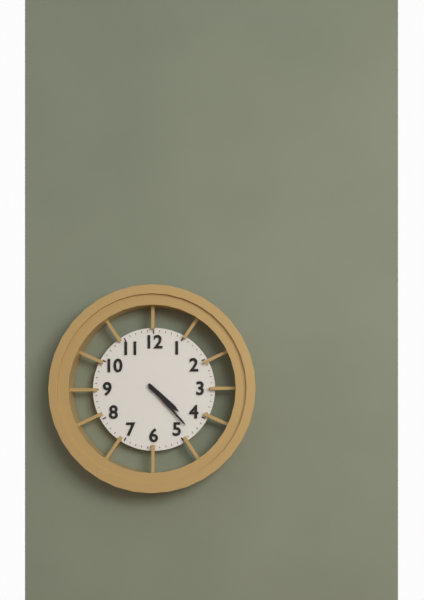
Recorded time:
4,23
